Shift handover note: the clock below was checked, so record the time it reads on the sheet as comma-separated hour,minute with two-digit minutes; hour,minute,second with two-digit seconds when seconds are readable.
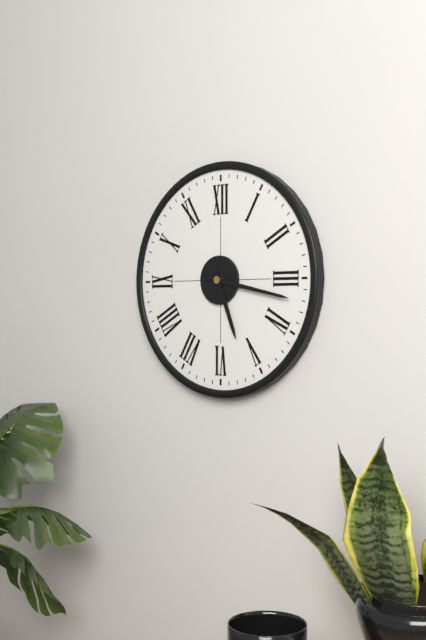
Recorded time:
5,17
